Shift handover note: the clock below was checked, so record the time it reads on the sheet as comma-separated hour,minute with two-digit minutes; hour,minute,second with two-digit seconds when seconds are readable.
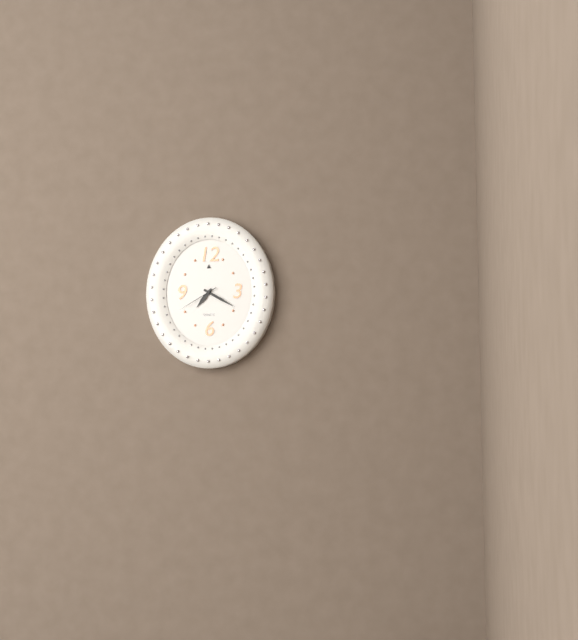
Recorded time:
7,20
